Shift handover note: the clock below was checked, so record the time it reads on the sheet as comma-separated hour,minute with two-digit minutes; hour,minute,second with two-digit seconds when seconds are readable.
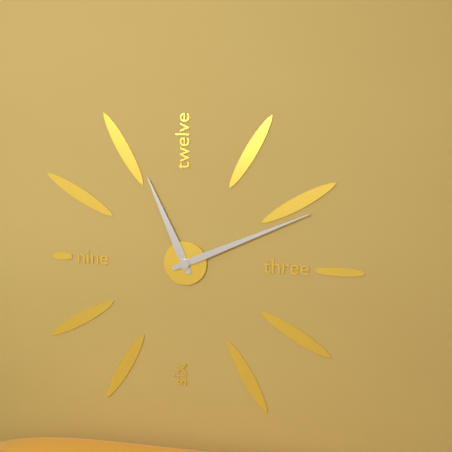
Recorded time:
11,11
